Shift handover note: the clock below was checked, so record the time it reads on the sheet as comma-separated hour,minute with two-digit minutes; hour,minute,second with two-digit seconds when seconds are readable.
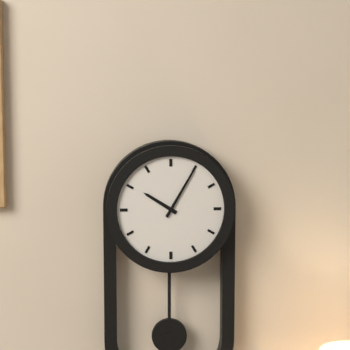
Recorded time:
10,05
